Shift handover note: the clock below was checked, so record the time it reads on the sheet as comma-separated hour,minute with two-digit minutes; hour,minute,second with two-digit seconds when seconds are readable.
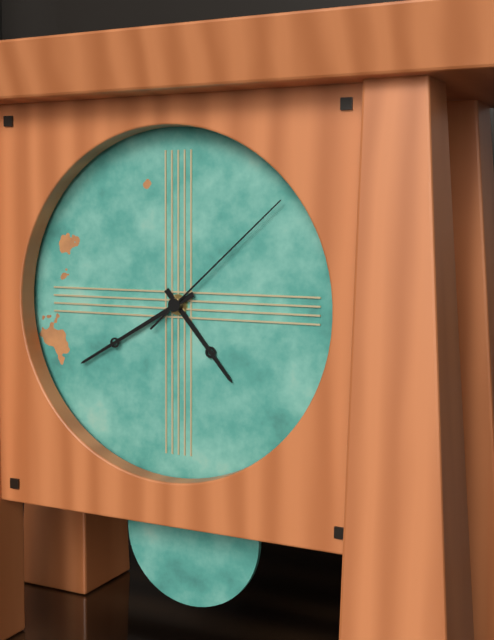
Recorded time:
4,40,08
